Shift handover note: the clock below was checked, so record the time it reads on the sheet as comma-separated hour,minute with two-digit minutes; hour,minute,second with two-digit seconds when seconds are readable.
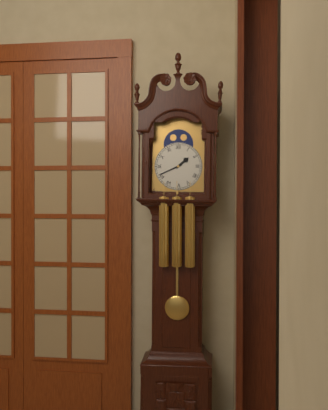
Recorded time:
1,41
